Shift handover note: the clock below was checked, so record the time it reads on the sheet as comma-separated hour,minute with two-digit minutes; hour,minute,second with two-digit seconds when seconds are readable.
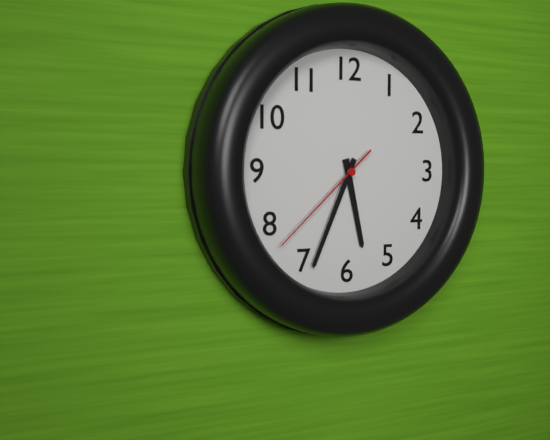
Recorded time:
5,34,38
